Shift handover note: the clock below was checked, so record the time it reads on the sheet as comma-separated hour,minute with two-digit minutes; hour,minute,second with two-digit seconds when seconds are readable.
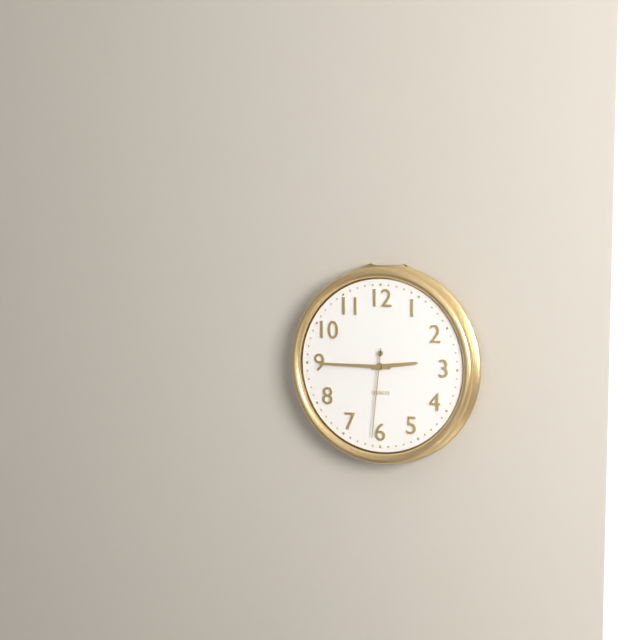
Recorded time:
2,45,31
